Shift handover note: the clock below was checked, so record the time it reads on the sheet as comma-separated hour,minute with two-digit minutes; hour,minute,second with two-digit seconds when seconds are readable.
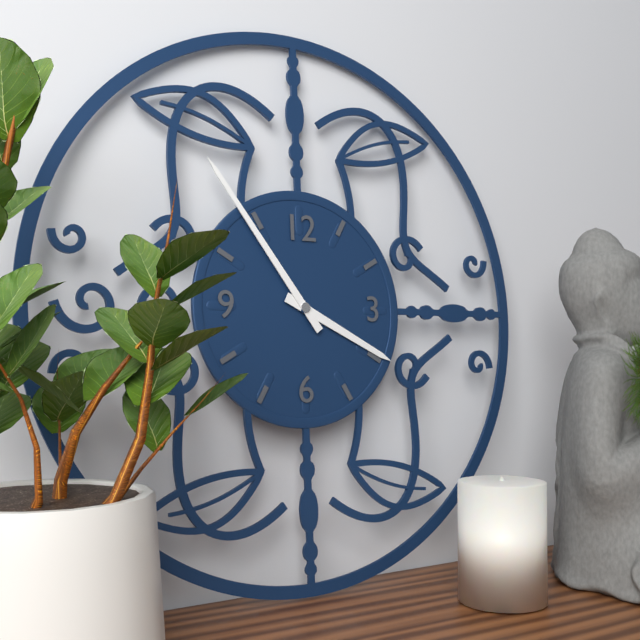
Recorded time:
3,54
